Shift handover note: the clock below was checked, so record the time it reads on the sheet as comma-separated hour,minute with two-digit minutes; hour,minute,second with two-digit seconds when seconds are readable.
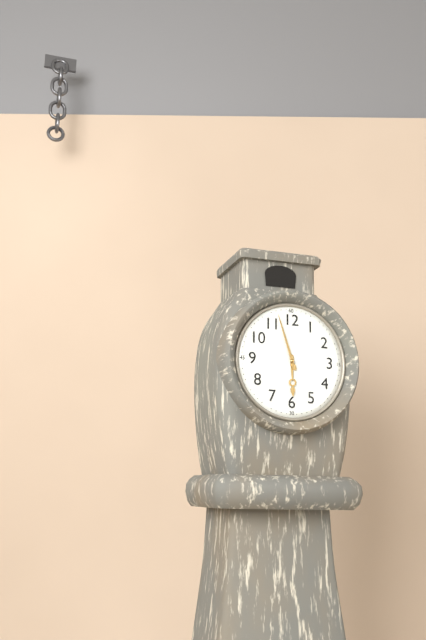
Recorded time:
5,57
